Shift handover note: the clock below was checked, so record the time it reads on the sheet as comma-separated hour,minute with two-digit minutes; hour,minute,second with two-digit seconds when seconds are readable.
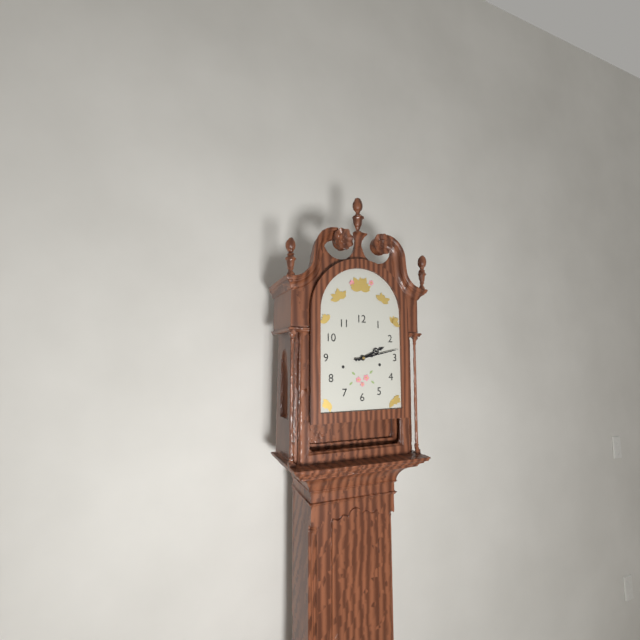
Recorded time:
2,13
